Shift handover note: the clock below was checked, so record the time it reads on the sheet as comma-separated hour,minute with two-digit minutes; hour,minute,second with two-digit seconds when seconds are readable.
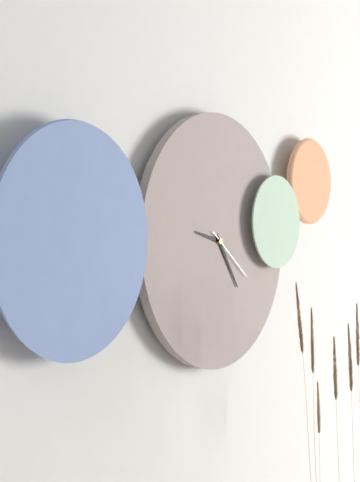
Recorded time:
9,24,21
